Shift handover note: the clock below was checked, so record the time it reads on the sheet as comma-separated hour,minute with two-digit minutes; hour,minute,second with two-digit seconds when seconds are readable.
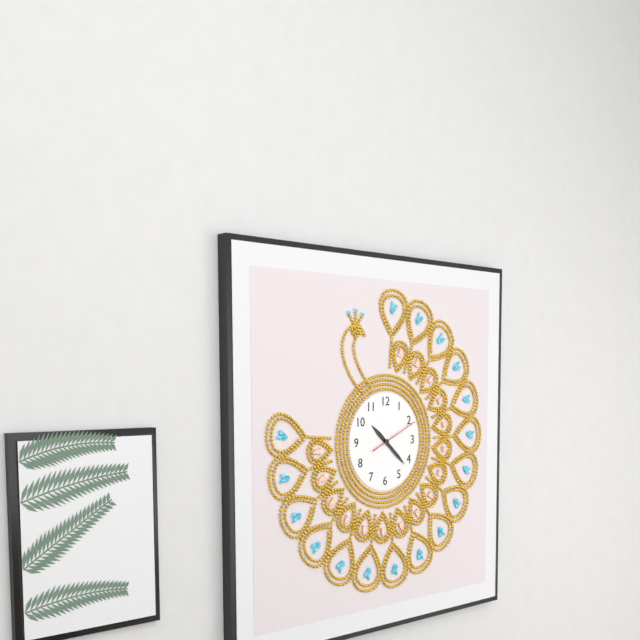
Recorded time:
10,22
